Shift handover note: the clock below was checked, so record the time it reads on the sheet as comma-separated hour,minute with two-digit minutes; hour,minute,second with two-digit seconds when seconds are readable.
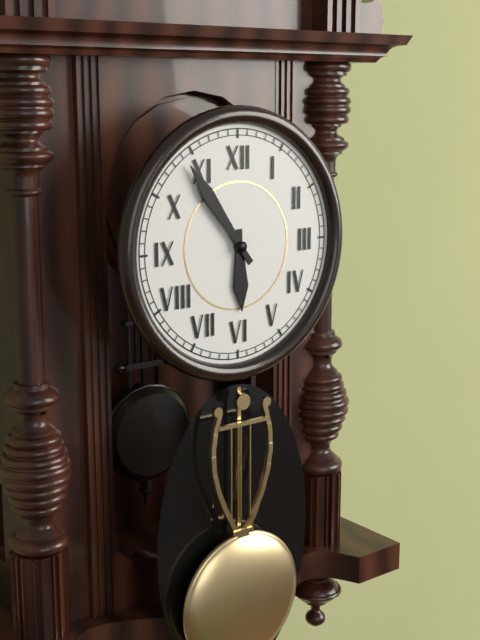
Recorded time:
5,54
